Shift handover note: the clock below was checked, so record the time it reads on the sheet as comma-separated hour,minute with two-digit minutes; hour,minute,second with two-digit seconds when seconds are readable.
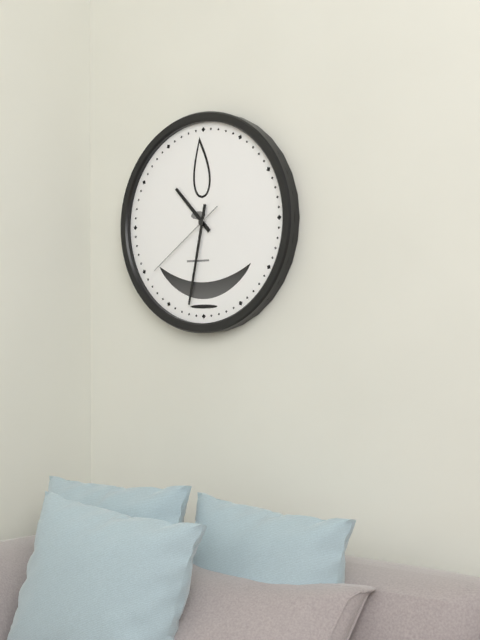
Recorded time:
10,32,39
